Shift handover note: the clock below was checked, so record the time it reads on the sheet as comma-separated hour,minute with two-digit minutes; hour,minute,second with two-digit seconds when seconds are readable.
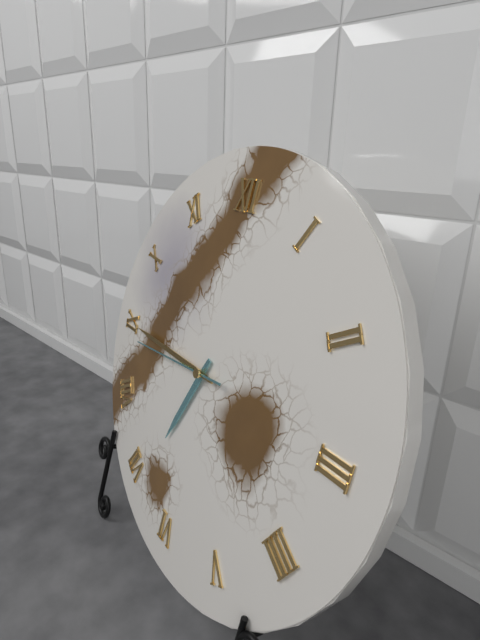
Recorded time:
6,45,44
